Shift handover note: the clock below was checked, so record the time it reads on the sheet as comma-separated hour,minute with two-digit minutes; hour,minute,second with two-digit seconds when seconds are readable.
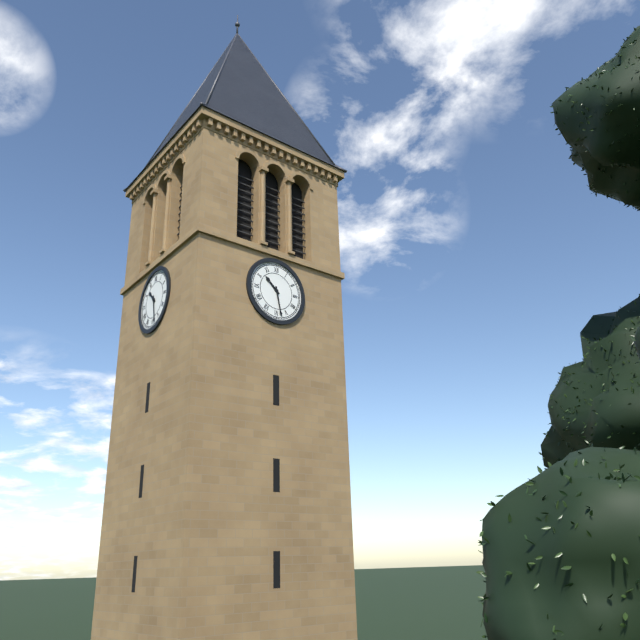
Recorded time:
10,28
